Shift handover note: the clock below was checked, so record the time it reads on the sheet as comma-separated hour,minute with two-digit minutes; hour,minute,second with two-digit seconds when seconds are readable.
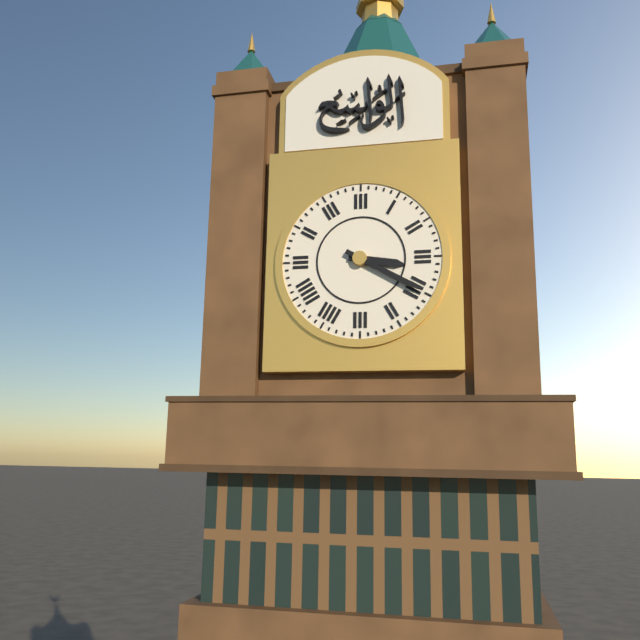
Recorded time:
3,20
